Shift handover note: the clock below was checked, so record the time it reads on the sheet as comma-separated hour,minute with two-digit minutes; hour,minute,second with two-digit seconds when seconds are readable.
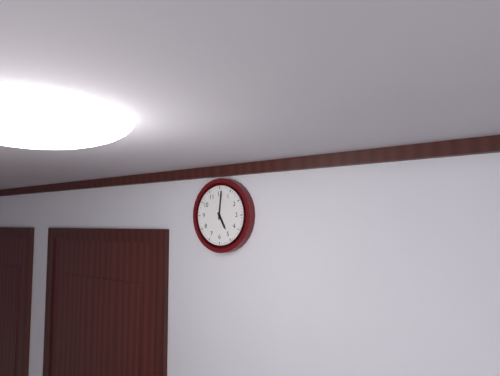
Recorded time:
5,01
